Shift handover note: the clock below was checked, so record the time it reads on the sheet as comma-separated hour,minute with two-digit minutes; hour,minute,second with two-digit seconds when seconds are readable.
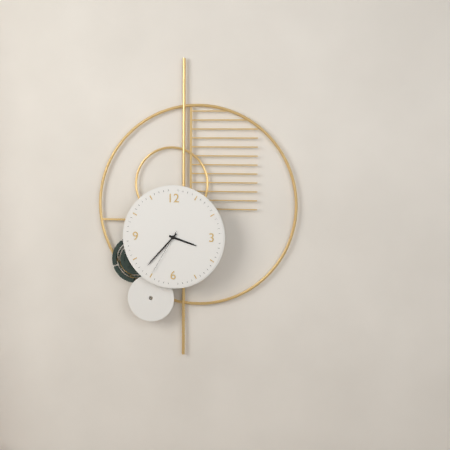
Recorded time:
3,37,35
